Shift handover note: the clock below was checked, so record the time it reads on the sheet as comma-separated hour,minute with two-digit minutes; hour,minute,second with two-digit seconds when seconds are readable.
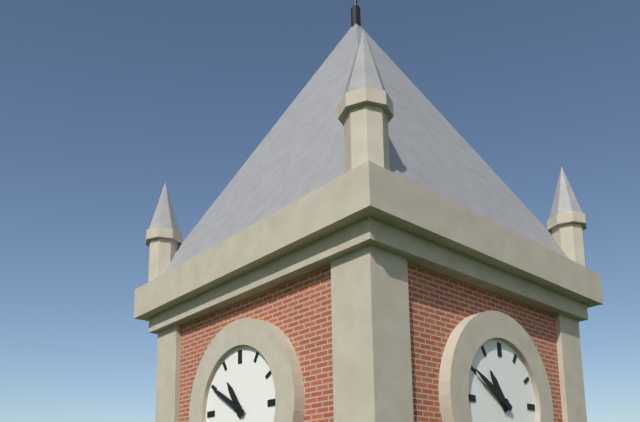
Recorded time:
10,50
